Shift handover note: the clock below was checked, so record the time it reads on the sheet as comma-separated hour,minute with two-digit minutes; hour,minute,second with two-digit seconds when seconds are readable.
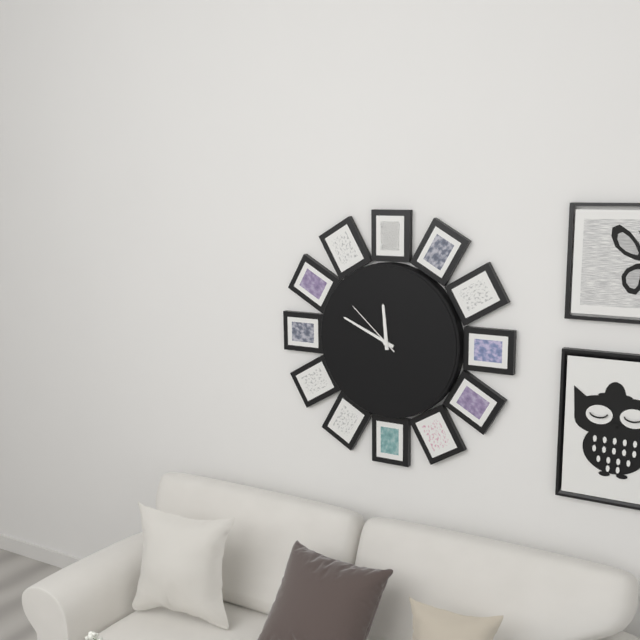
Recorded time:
11,49,52
